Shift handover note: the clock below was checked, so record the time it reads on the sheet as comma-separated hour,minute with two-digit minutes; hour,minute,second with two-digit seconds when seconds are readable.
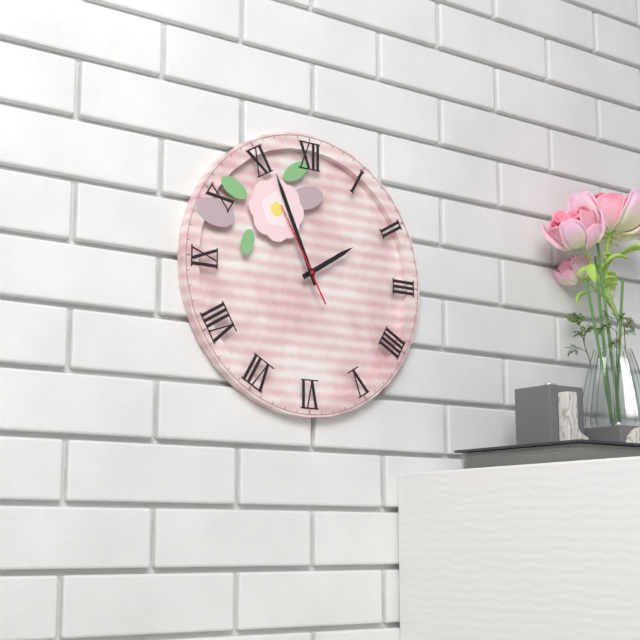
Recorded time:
1,56,55
